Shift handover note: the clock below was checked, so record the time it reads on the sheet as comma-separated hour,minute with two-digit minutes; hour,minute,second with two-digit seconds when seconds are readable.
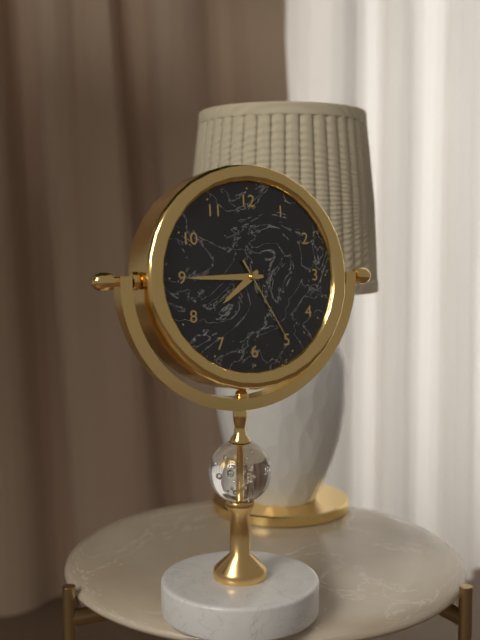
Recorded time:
7,45,25
